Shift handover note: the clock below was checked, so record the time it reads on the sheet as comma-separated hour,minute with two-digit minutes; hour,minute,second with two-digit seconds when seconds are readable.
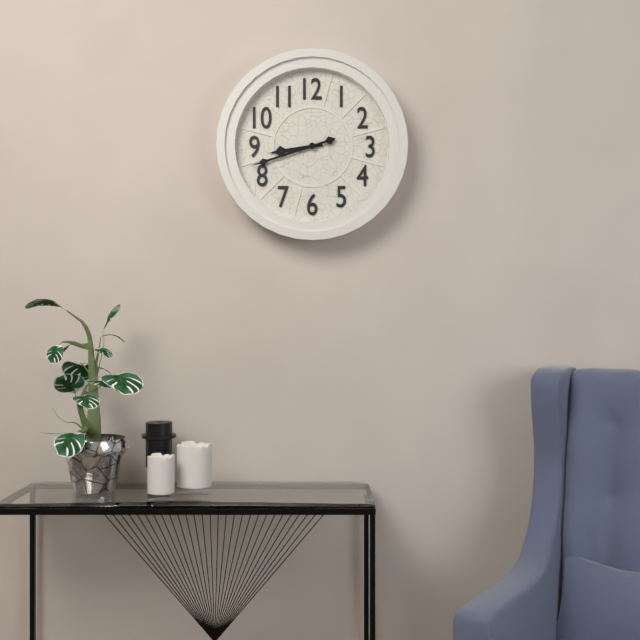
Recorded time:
8,42
